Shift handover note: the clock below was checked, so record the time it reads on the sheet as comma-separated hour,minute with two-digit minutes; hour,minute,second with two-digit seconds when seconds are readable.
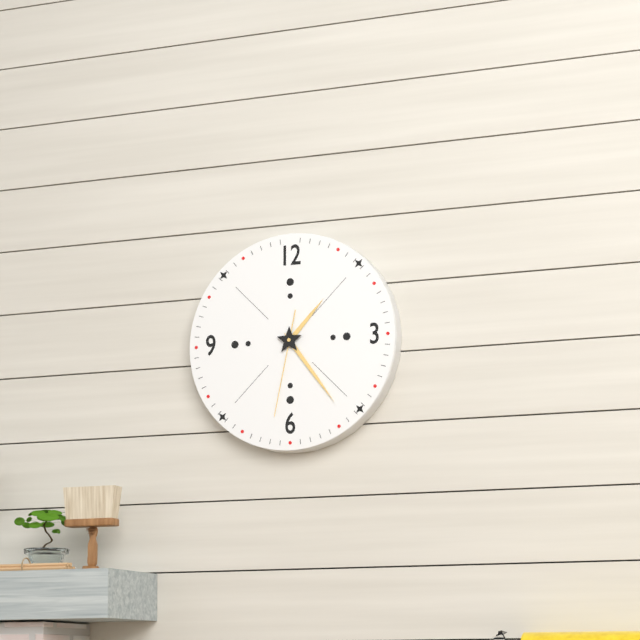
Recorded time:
1,24,32
